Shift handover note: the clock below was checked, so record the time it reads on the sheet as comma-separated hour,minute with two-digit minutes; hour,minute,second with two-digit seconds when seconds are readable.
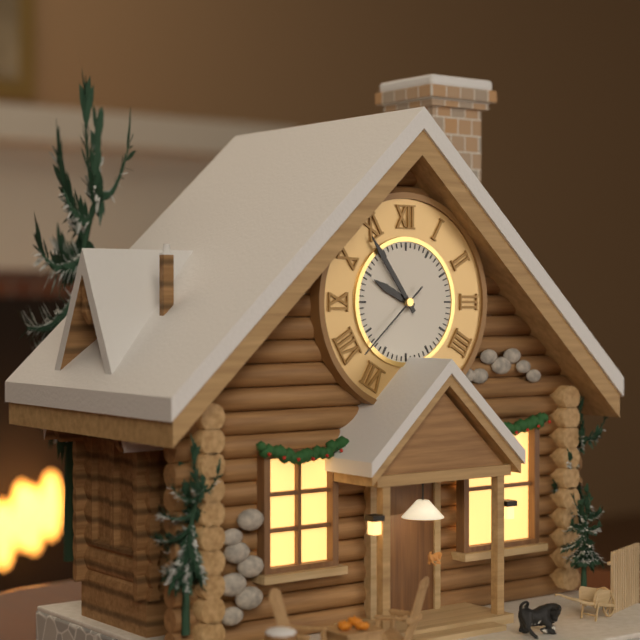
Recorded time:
9,54,38
